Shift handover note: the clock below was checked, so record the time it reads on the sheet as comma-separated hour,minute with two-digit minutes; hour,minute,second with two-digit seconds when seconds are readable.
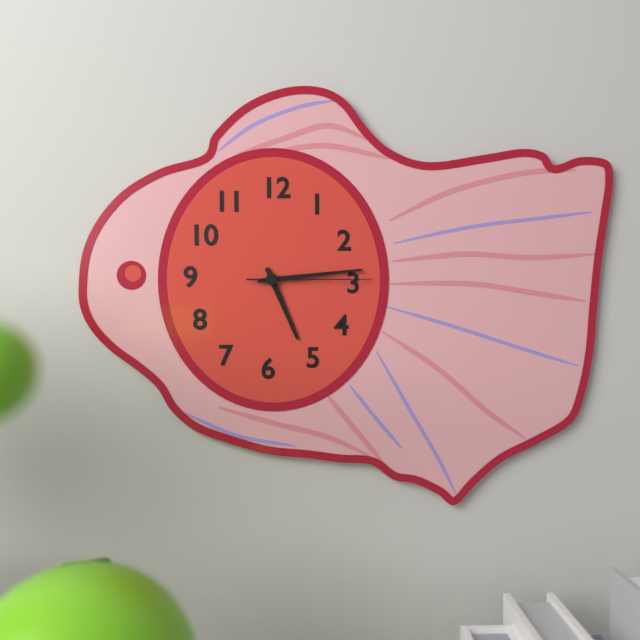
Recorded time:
5,14,15
